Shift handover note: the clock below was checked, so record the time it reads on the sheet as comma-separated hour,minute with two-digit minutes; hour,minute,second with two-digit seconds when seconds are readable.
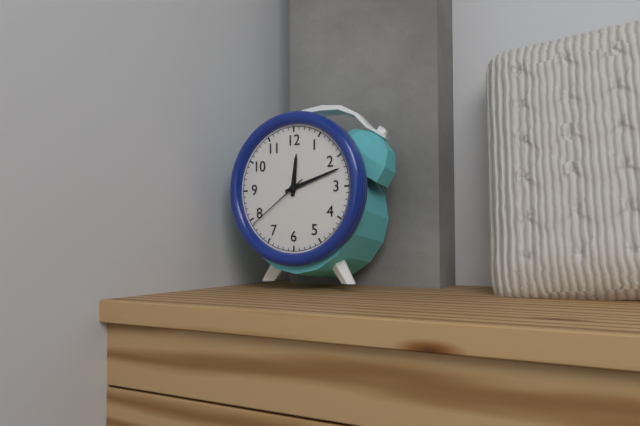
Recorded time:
12,12,39
